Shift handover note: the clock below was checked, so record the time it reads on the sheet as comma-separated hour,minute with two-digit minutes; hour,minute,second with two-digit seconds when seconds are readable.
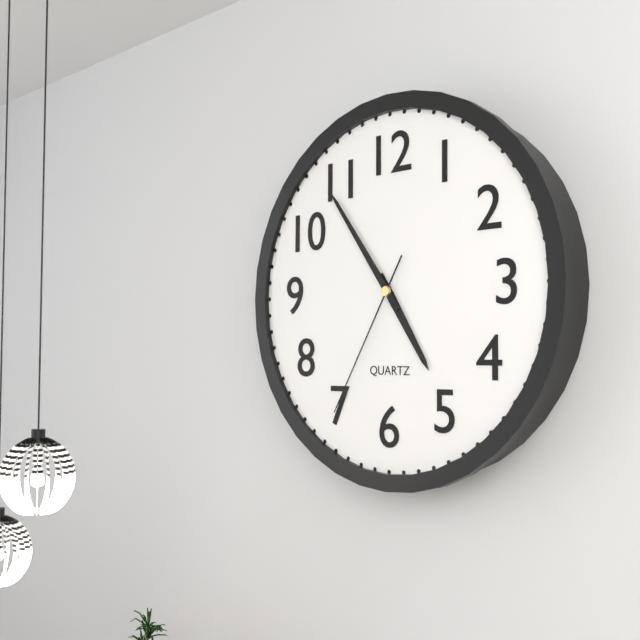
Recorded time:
4,54,35
